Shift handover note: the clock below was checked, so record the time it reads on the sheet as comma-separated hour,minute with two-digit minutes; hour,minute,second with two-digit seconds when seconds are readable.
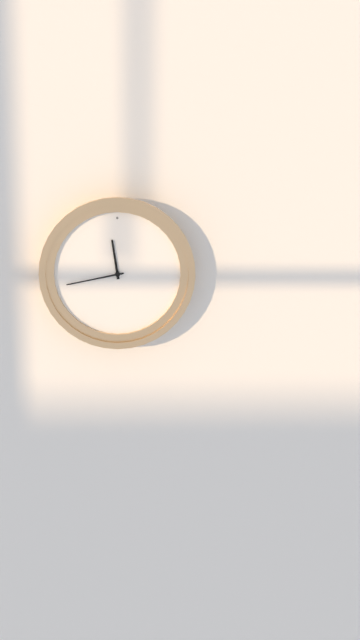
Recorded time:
11,43
